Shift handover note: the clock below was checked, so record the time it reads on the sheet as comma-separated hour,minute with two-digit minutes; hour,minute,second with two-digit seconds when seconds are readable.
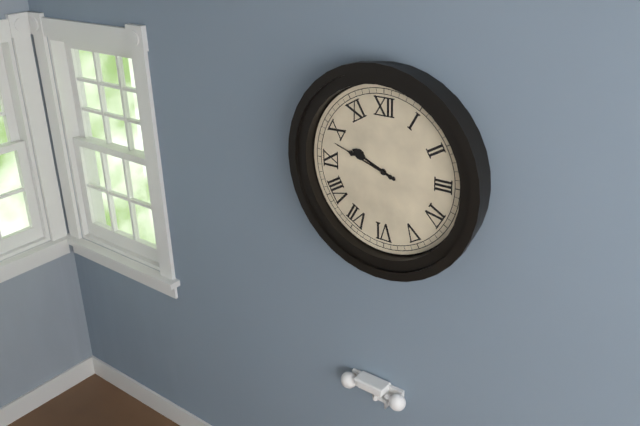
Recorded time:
9,48
